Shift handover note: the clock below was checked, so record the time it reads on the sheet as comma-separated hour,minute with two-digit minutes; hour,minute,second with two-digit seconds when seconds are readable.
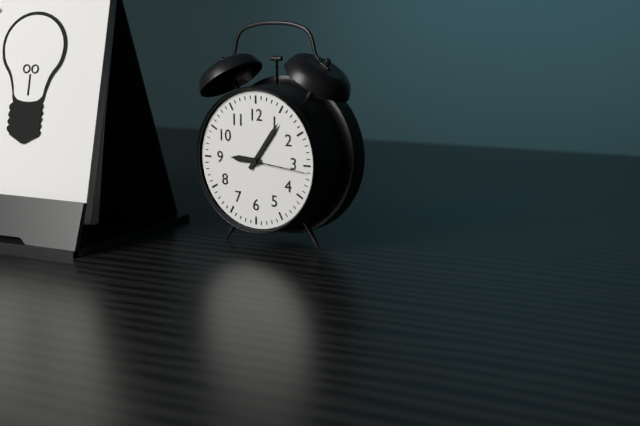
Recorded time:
9,06,16
